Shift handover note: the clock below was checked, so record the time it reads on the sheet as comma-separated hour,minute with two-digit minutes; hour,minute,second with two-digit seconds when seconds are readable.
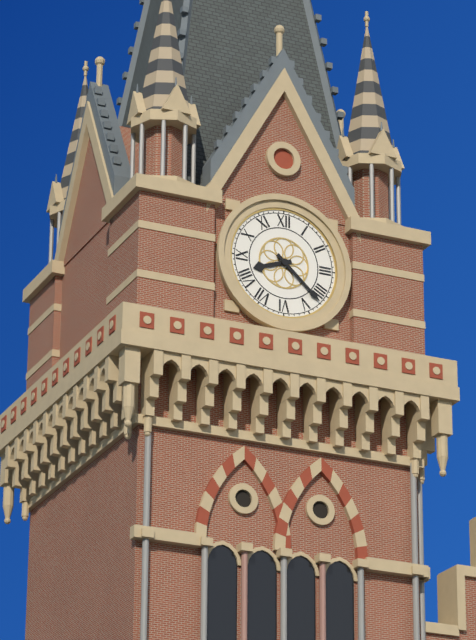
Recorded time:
8,22
